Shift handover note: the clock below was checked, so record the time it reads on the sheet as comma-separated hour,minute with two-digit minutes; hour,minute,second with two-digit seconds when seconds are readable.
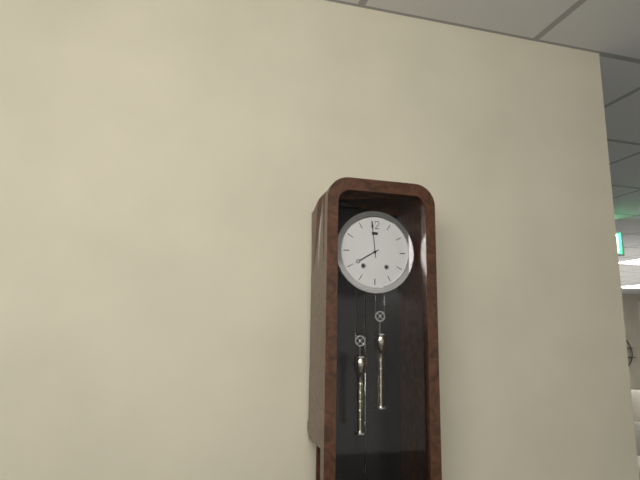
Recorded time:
7,59
